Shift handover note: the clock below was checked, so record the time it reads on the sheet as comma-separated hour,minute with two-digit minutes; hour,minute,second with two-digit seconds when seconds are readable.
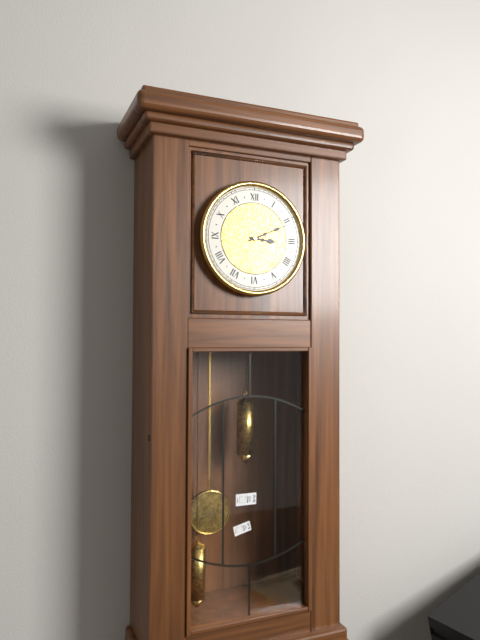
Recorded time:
3,11
